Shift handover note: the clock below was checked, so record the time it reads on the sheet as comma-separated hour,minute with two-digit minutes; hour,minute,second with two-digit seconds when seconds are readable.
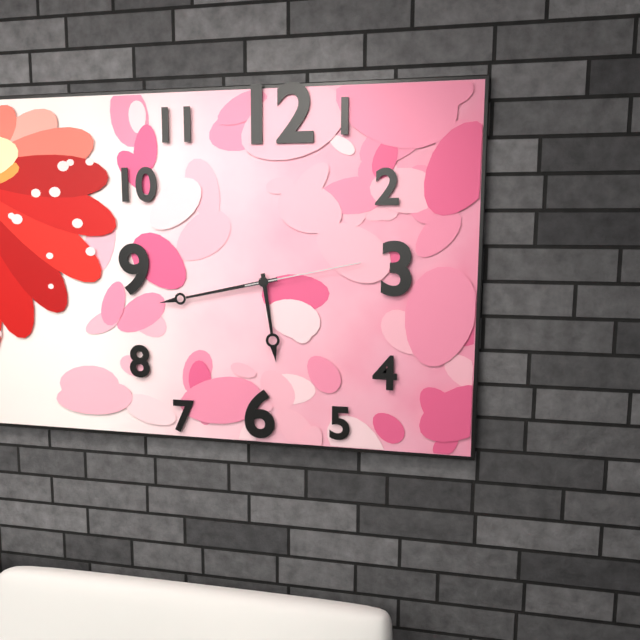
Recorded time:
5,43,13
